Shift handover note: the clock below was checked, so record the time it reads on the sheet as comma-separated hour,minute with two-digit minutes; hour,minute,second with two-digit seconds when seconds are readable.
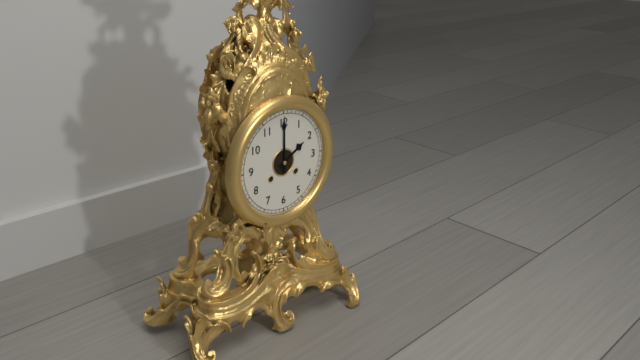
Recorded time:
2,00
